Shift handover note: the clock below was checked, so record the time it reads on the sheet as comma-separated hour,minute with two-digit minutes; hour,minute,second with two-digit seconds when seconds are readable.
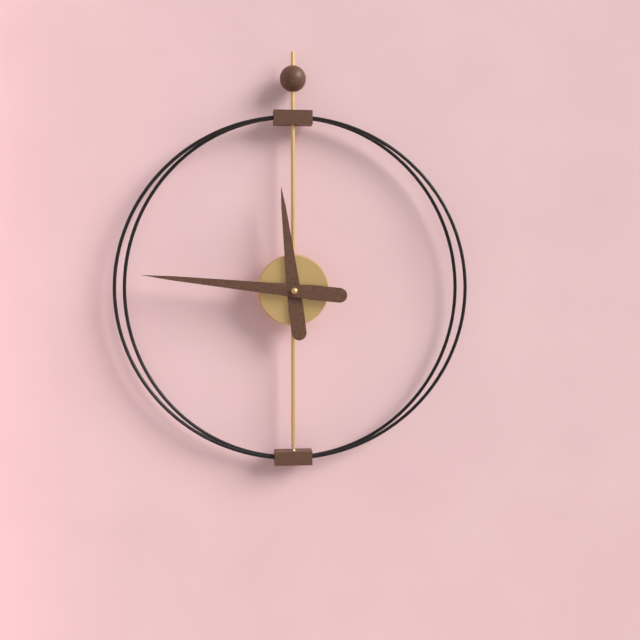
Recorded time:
11,46
